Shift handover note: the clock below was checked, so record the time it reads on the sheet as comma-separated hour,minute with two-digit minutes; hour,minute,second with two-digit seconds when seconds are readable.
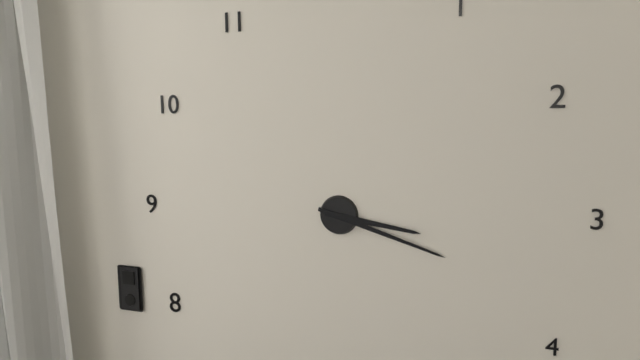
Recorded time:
3,18
